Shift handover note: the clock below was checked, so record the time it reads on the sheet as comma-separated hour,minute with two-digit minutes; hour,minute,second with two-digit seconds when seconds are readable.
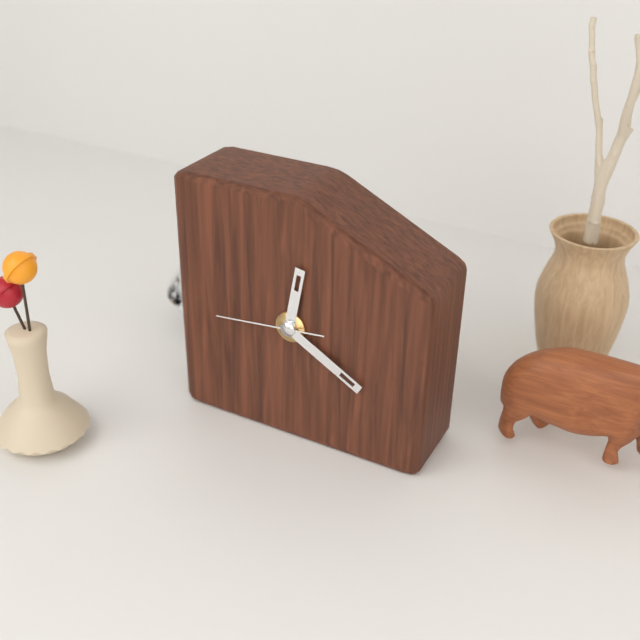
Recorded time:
12,20,44
